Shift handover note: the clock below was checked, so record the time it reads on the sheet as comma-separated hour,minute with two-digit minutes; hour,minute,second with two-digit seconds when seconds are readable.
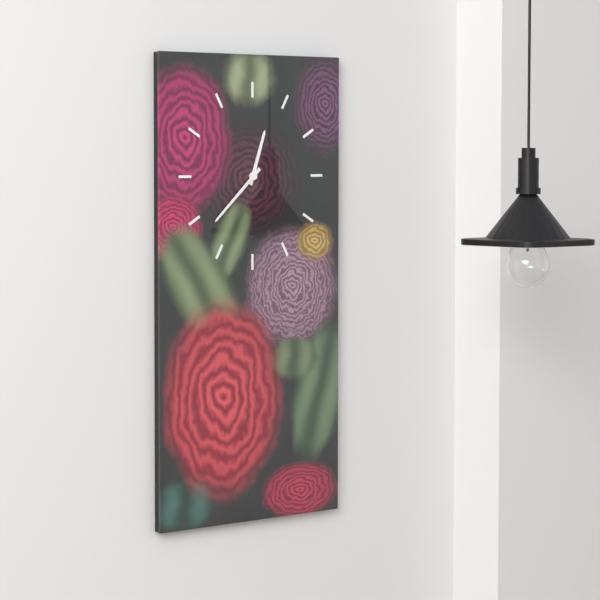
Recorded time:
12,38
